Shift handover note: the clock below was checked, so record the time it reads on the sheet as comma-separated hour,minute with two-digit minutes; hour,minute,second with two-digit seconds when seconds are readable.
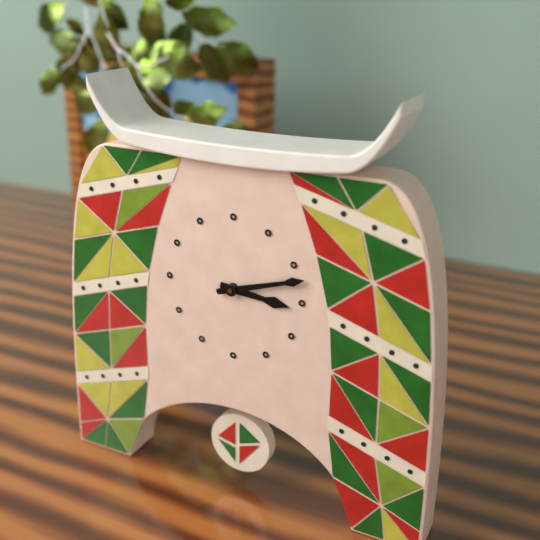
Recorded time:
3,12
